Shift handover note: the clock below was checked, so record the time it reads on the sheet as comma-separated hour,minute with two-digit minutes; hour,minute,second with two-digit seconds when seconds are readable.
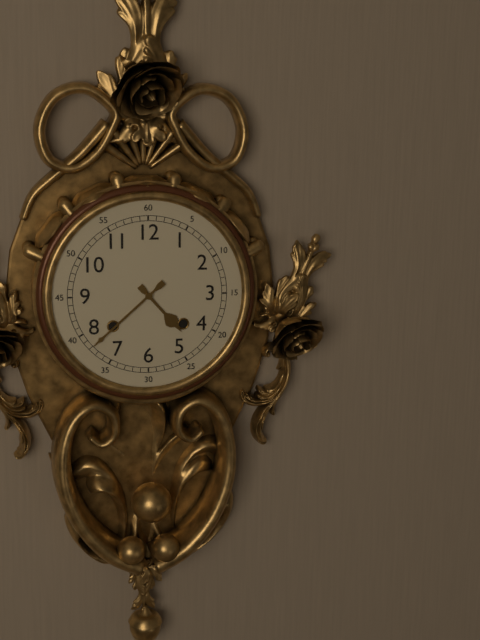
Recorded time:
4,38
